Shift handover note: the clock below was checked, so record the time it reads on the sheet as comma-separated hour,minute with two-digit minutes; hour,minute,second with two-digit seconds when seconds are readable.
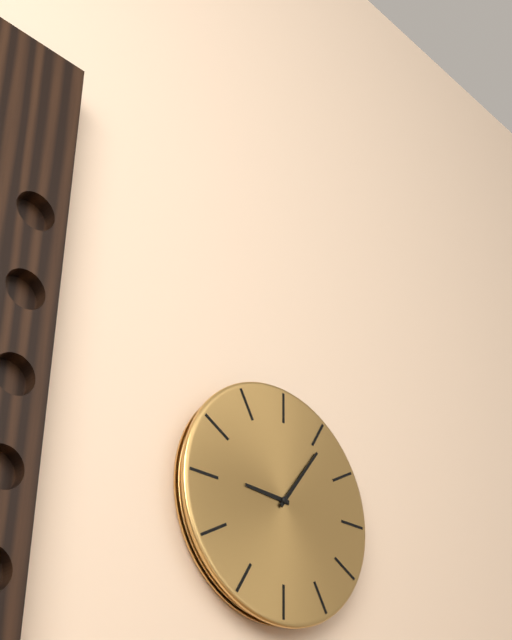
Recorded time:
9,06
